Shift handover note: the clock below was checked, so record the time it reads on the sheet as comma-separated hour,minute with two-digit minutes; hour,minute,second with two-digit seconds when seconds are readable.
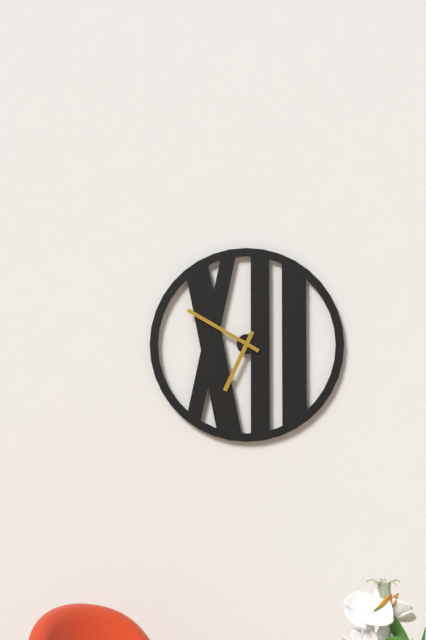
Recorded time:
6,50
